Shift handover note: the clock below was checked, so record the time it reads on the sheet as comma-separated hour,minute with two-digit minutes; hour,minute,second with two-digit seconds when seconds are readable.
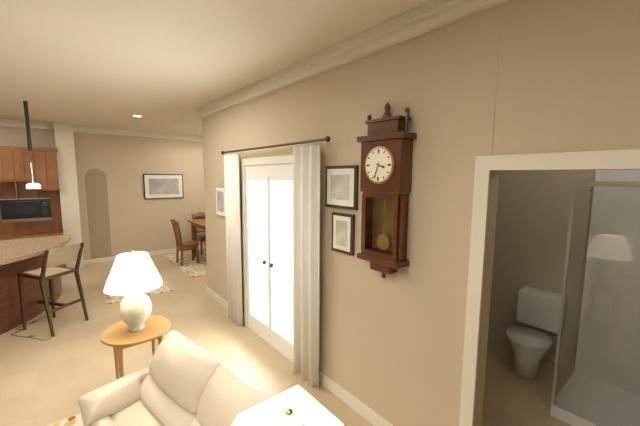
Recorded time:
3,33
